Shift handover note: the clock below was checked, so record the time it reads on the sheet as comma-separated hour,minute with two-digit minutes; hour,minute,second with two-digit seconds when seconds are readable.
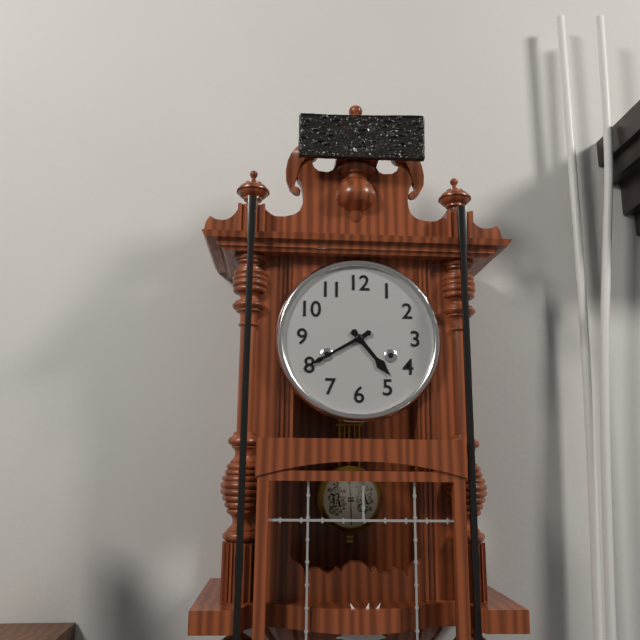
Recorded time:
4,40
